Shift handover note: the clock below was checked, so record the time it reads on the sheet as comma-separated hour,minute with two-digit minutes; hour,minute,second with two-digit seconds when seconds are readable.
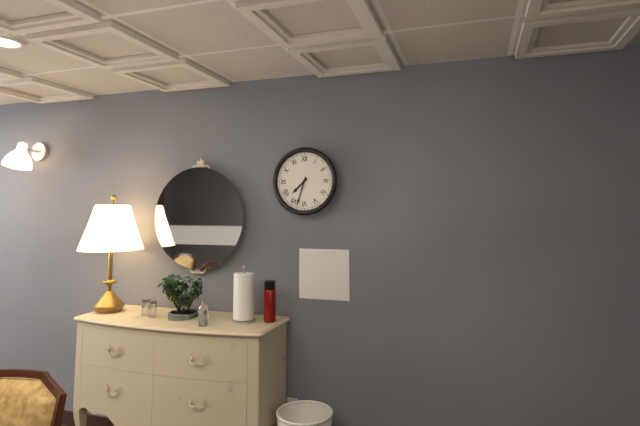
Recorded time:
7,33
